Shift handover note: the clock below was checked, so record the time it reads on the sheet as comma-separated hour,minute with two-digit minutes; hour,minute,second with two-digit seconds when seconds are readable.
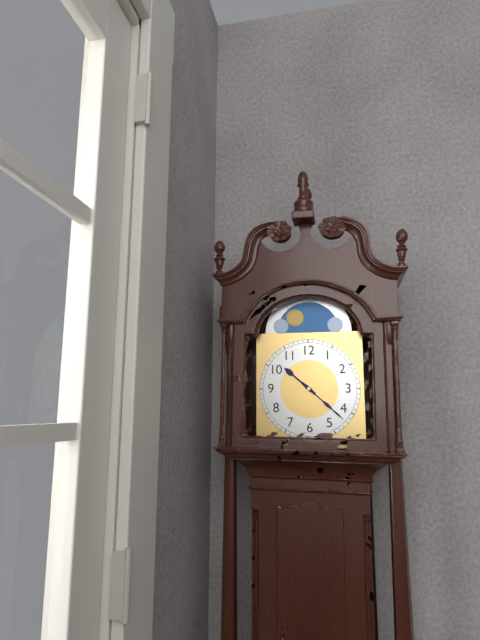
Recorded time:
10,22
